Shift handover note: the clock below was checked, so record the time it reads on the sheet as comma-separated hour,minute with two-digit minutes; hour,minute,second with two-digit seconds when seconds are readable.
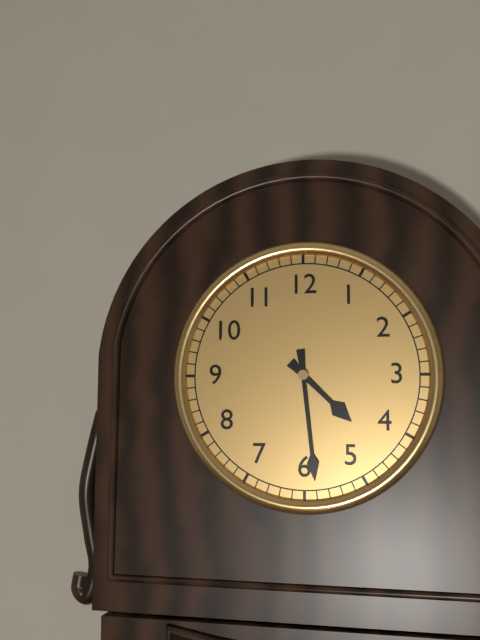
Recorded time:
4,29
